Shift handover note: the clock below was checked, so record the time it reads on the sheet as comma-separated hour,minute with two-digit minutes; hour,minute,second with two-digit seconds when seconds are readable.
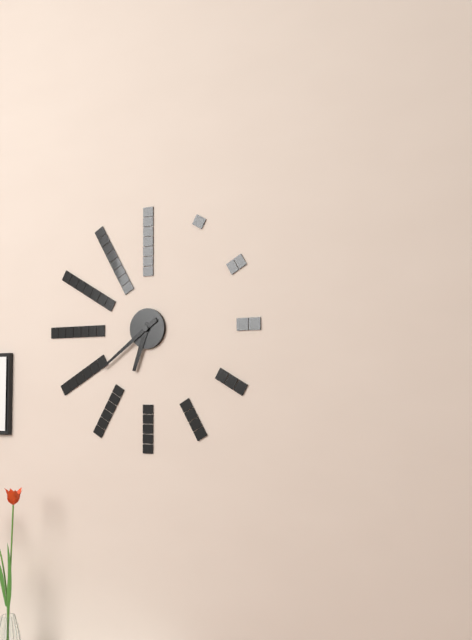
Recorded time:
6,39
